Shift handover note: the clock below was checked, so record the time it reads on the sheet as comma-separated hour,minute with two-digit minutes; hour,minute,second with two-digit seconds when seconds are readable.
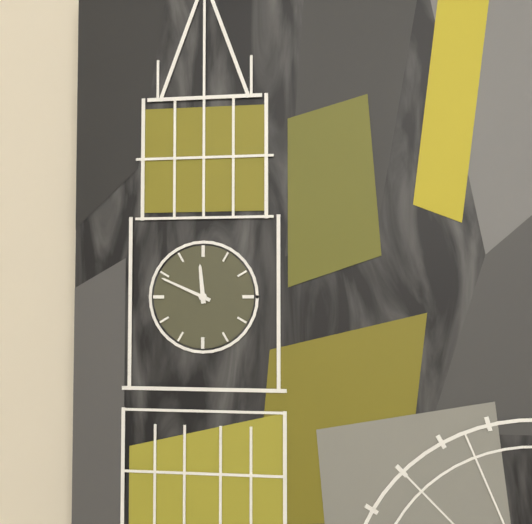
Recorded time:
11,49
